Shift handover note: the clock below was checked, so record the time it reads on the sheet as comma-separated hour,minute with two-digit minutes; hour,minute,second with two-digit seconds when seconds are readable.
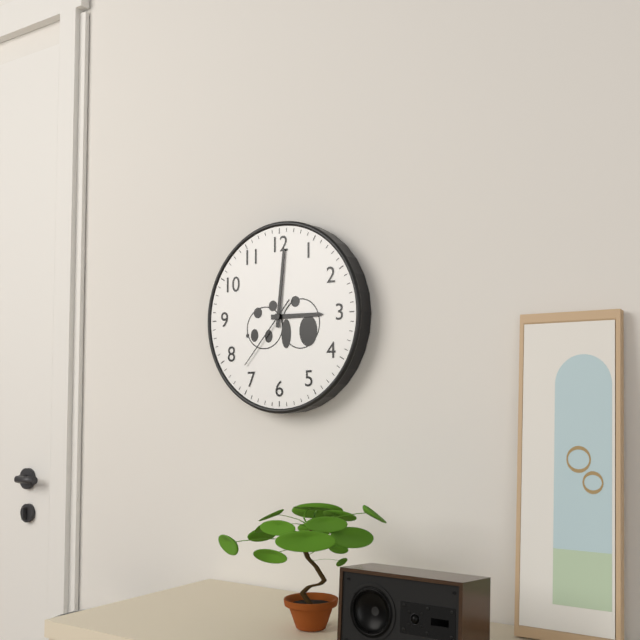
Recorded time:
3,01,37
